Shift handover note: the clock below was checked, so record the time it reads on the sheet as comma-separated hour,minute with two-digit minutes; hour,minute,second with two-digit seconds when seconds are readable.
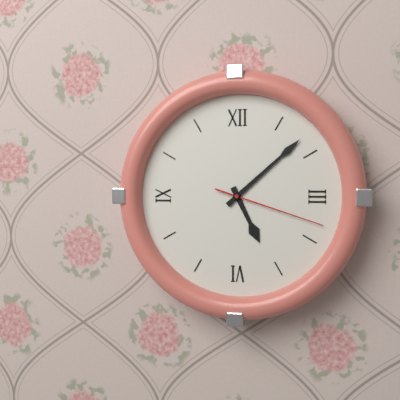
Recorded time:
5,08,18
